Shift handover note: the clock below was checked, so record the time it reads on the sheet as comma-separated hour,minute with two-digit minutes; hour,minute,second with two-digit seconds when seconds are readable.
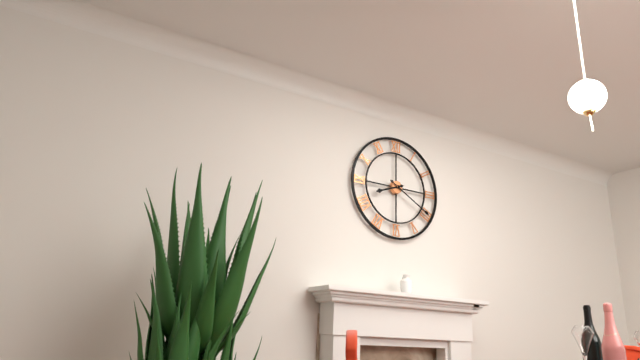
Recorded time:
8,20
